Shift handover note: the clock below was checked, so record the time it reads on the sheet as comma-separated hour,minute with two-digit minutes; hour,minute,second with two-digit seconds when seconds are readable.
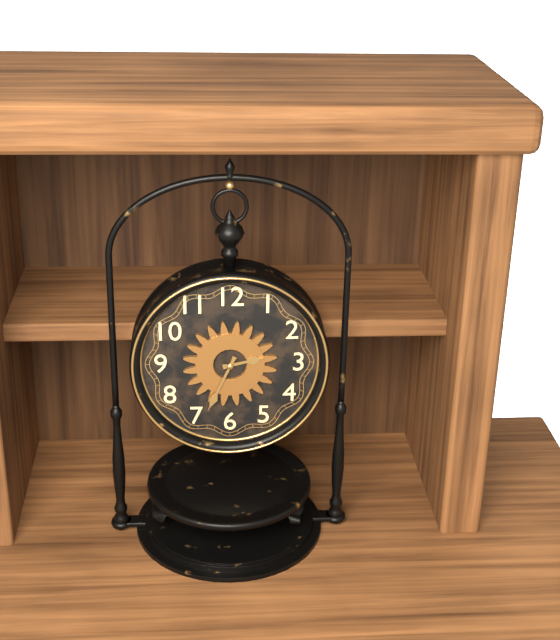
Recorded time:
2,34
